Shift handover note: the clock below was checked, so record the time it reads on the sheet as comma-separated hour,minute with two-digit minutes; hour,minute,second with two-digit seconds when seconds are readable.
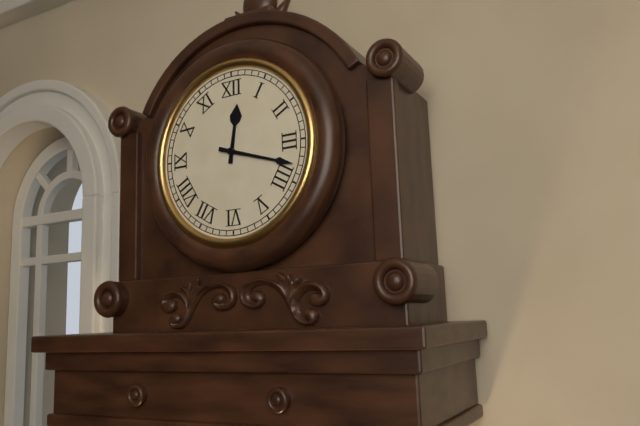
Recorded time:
12,18
